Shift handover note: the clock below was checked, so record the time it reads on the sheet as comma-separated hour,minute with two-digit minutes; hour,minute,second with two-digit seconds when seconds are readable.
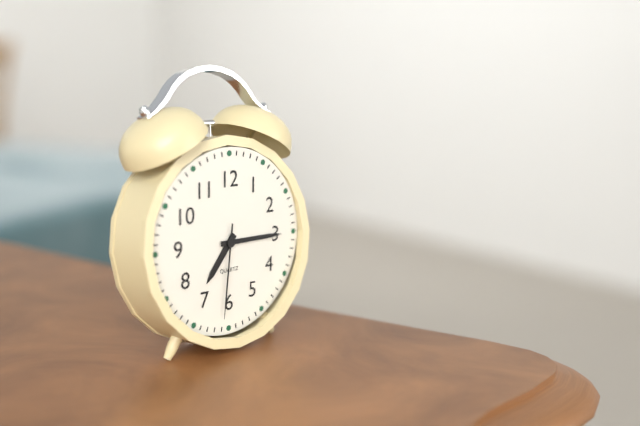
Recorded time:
7,15,31
